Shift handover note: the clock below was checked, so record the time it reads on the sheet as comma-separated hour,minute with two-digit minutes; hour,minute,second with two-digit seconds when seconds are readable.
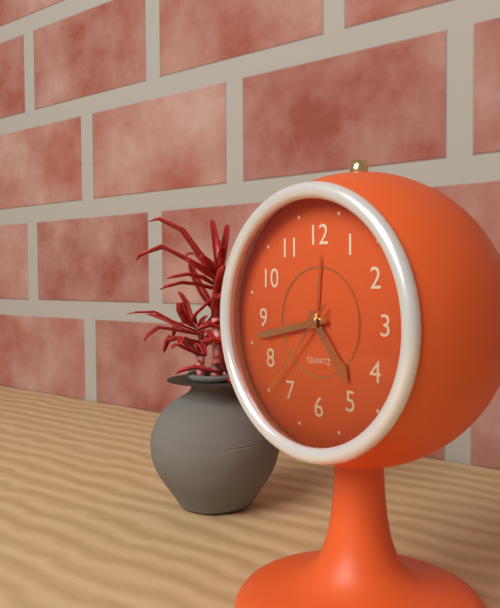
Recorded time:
4,43,37
